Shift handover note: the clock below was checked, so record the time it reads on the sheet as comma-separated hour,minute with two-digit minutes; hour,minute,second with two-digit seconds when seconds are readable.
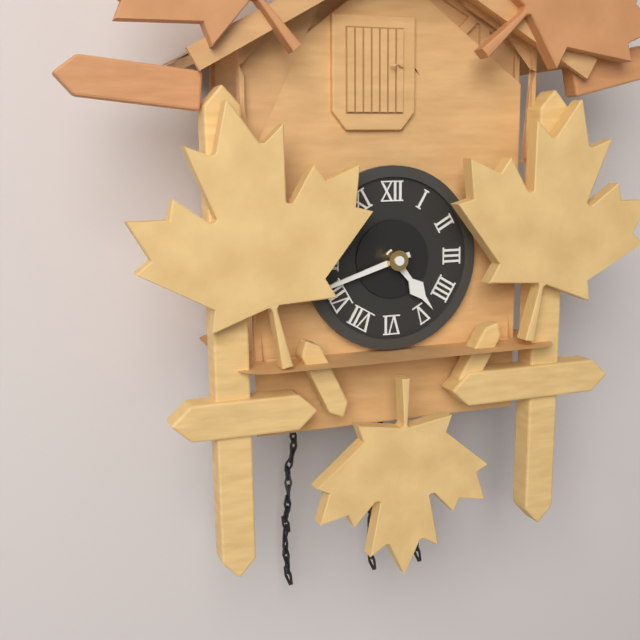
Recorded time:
4,42
